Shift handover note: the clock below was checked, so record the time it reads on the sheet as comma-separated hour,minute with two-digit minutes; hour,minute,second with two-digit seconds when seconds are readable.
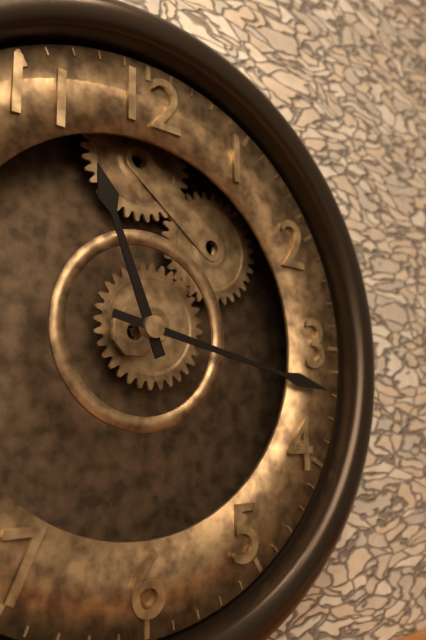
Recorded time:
11,17
